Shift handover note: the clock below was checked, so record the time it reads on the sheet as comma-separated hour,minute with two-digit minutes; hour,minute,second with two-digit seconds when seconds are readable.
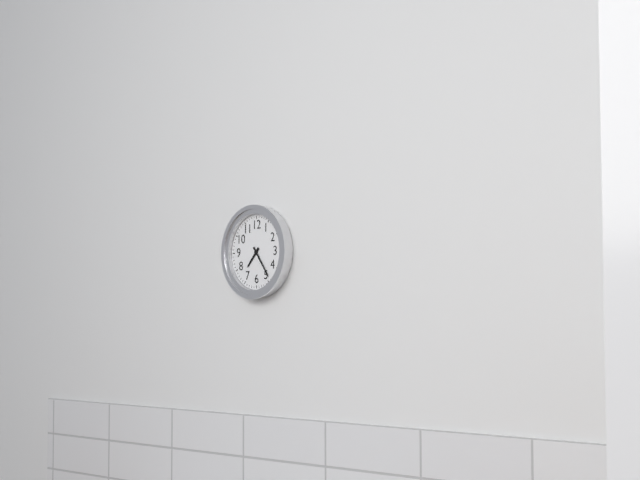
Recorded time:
7,24
